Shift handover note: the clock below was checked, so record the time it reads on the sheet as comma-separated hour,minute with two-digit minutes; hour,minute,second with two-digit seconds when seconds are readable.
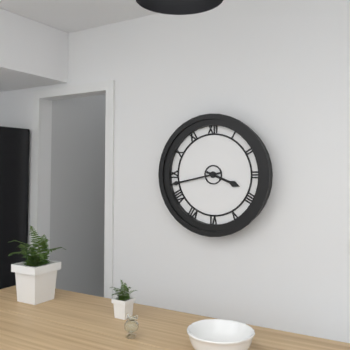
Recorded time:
3,43
